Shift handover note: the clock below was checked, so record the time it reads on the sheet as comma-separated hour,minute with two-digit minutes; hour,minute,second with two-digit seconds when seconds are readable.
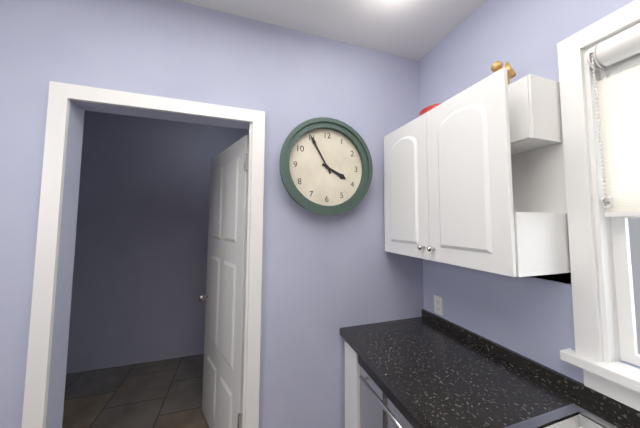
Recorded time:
3,55
